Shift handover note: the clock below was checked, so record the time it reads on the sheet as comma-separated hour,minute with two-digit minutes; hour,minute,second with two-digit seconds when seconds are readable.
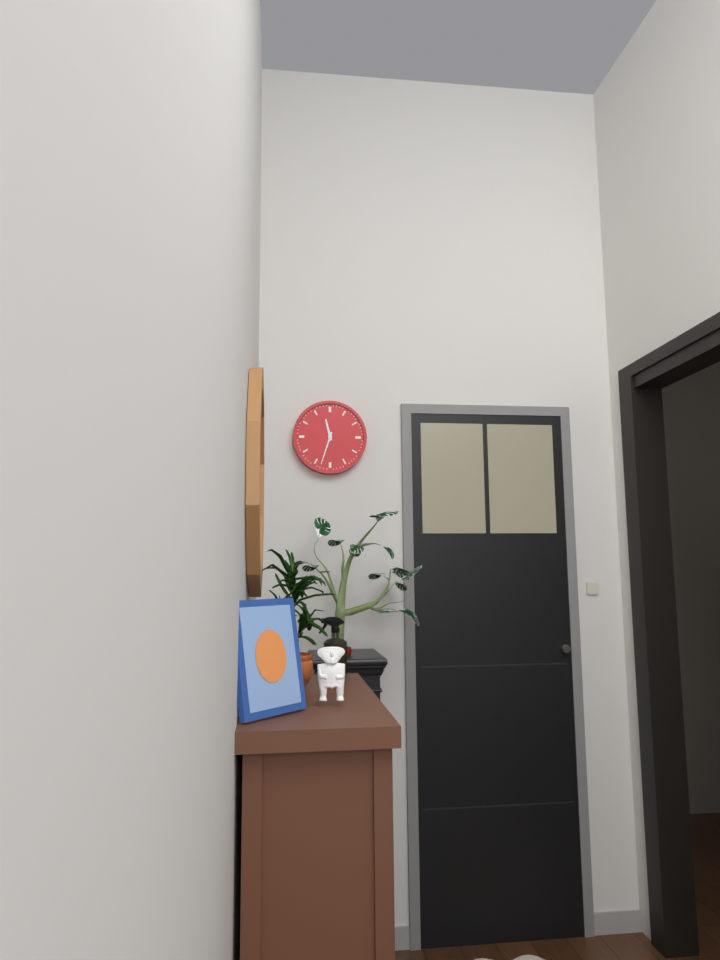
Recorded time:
11,33
